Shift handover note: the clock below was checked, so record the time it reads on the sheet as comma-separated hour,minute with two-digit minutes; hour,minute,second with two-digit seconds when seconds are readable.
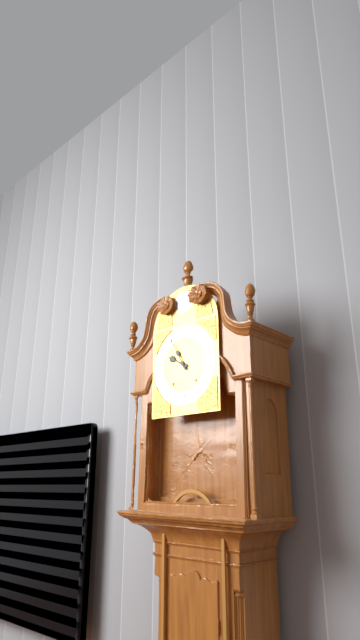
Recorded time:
9,55
